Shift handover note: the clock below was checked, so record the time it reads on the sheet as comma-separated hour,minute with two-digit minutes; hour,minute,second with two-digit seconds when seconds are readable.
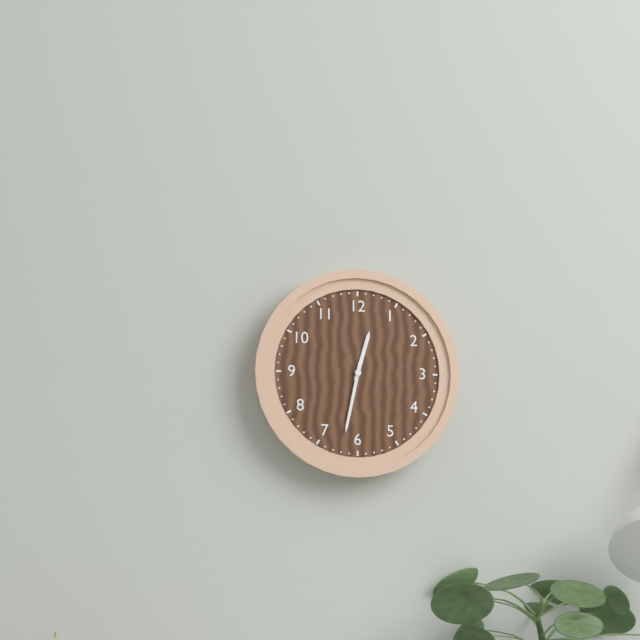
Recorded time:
12,32
